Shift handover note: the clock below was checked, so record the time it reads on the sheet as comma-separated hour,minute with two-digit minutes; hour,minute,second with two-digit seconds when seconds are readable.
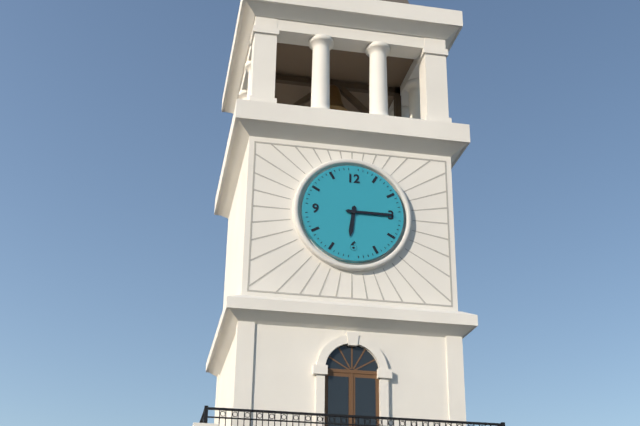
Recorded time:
6,15
